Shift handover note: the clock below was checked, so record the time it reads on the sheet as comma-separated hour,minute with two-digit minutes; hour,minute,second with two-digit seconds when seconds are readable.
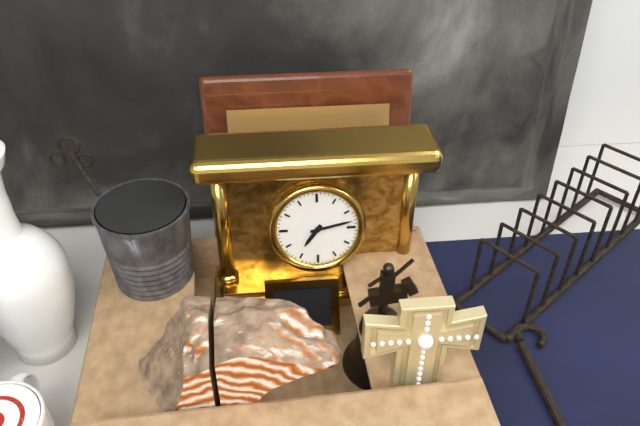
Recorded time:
7,13
